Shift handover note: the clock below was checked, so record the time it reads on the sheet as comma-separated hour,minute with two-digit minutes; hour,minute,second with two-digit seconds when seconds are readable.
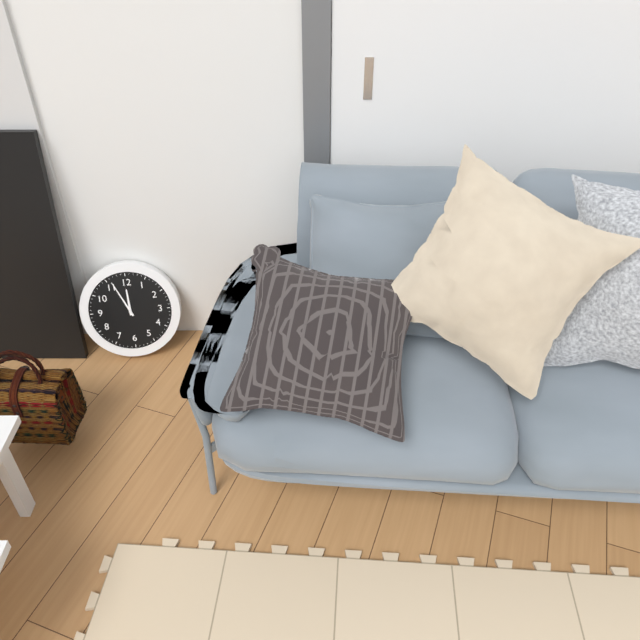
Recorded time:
11,56
